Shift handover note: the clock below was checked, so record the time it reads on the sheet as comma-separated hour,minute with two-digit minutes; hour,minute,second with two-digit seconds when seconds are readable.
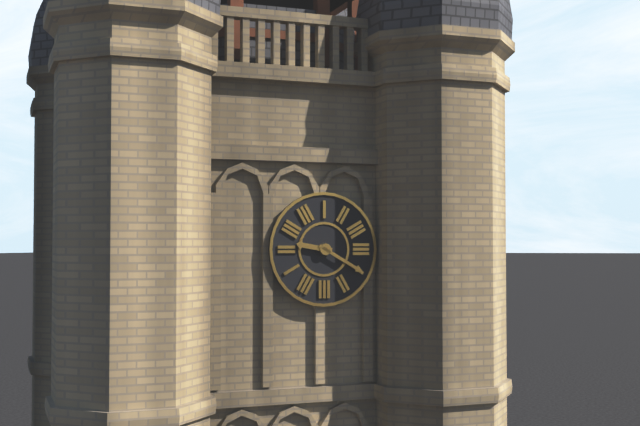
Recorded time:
9,20
